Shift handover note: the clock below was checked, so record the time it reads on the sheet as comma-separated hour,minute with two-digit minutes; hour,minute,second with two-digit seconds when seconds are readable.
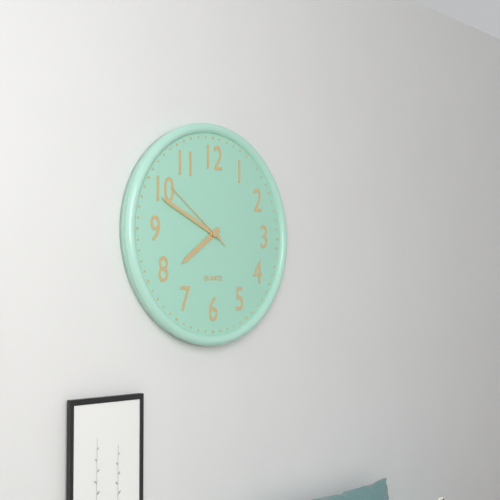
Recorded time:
7,49,51
